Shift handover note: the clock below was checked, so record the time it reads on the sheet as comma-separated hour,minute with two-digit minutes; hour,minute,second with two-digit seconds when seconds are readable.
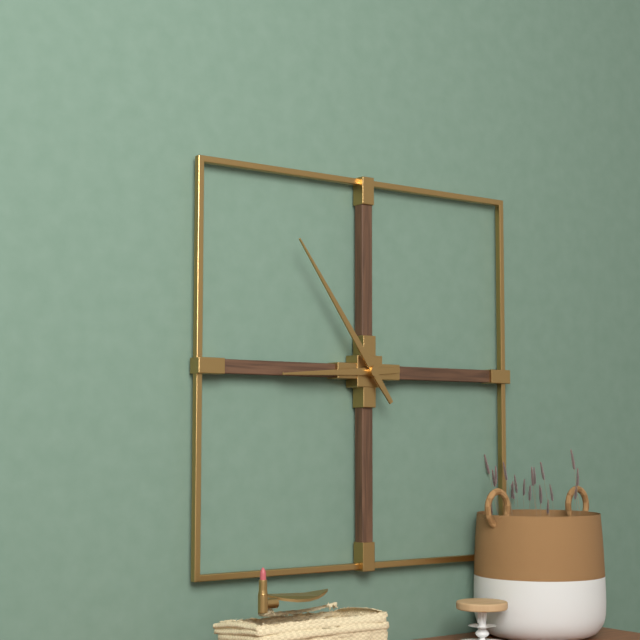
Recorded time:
8,54
